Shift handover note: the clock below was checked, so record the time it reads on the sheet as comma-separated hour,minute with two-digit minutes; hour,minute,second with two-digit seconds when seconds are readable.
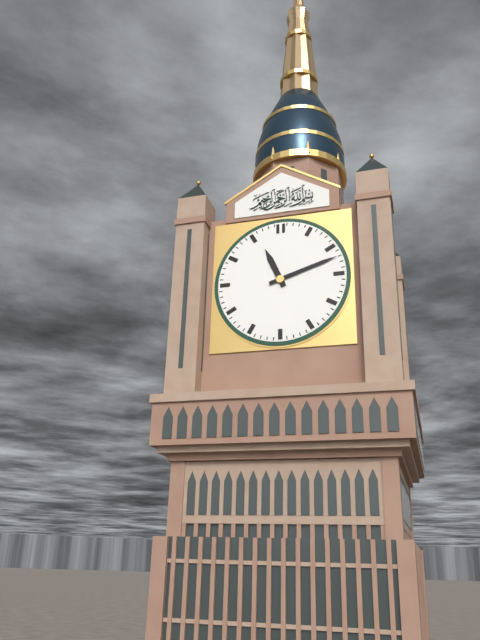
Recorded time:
11,12
